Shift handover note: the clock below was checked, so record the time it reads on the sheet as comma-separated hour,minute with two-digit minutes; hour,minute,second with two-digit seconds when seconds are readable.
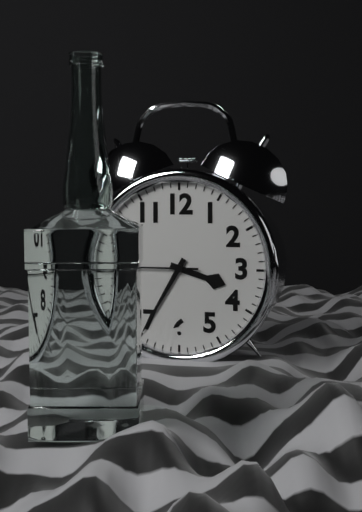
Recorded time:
3,35,45
